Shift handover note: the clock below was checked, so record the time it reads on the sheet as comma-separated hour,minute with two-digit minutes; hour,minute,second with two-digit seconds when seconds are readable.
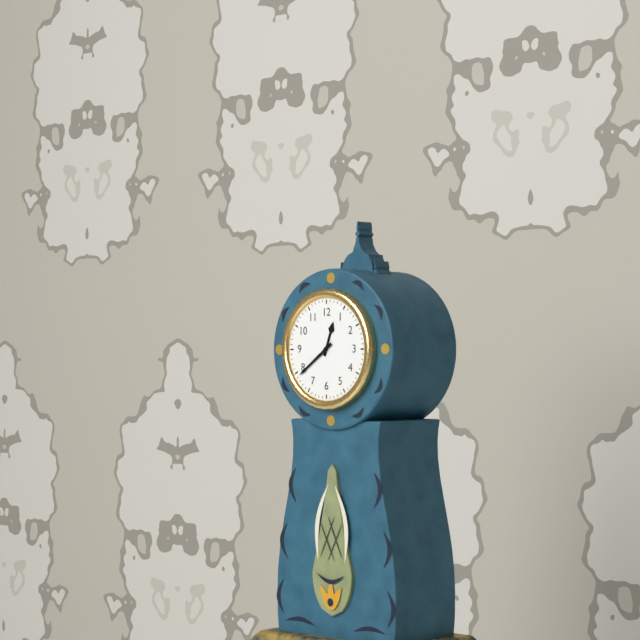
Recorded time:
12,39
